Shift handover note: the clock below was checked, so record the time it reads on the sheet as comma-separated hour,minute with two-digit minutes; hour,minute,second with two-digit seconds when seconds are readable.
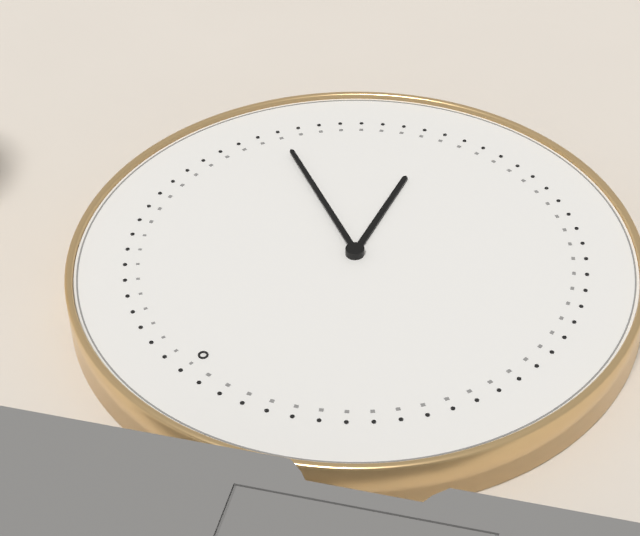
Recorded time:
5,19
